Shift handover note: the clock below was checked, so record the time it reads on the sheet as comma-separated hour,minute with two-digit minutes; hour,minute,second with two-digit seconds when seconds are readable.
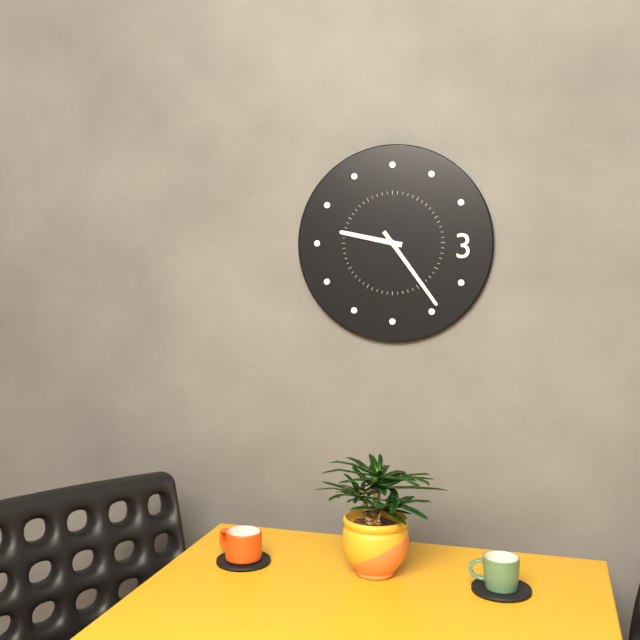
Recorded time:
9,24
